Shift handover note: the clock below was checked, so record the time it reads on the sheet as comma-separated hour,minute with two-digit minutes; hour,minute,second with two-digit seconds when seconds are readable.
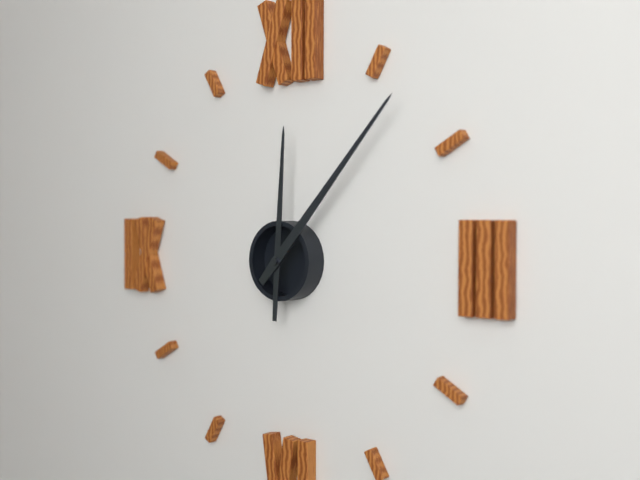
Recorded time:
12,07
